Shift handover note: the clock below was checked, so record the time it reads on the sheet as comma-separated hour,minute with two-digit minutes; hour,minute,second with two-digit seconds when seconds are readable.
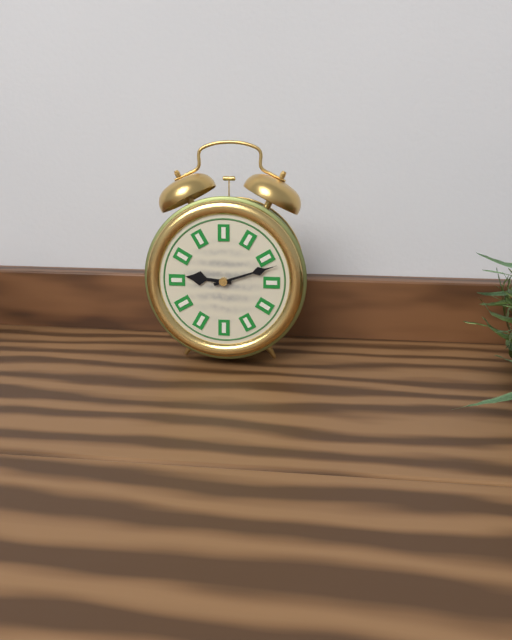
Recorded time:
9,12
